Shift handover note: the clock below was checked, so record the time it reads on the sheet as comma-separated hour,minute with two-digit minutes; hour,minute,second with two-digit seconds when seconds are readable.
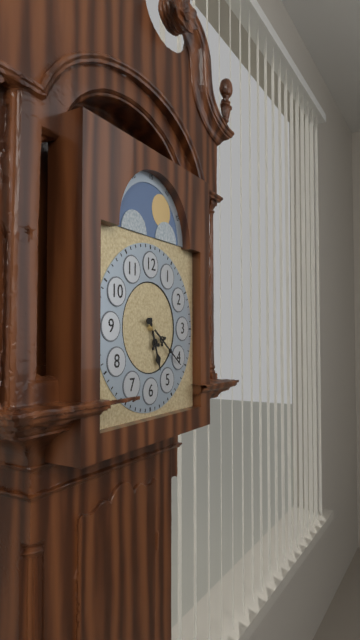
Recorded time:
5,21
